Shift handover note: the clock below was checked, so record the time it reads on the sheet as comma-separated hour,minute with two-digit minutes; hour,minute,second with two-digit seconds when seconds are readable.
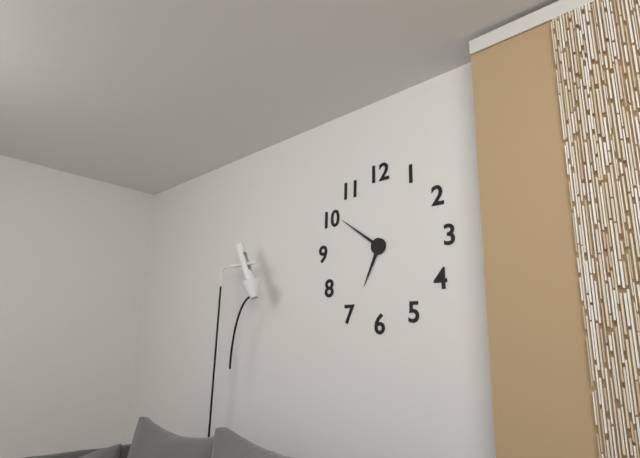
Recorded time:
6,51
